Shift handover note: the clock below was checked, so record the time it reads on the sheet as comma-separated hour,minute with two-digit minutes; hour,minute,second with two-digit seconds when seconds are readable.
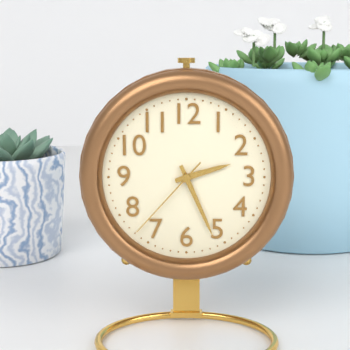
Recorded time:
2,26,37
